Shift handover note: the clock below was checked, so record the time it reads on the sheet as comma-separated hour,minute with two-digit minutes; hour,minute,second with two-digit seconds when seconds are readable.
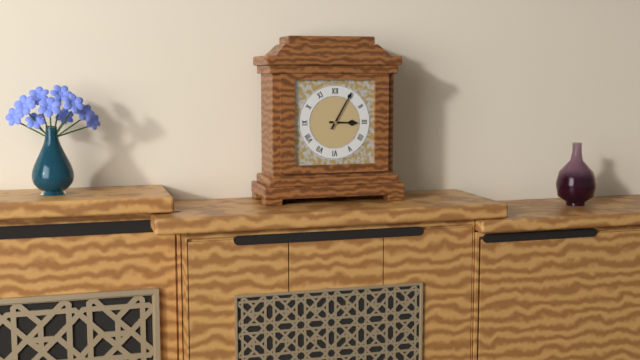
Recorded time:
3,05
